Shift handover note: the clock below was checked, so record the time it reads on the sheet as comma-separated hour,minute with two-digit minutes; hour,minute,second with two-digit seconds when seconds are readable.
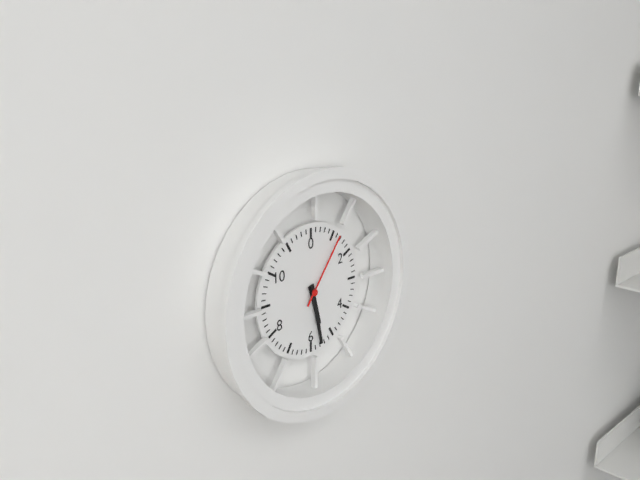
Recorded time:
5,28,06
